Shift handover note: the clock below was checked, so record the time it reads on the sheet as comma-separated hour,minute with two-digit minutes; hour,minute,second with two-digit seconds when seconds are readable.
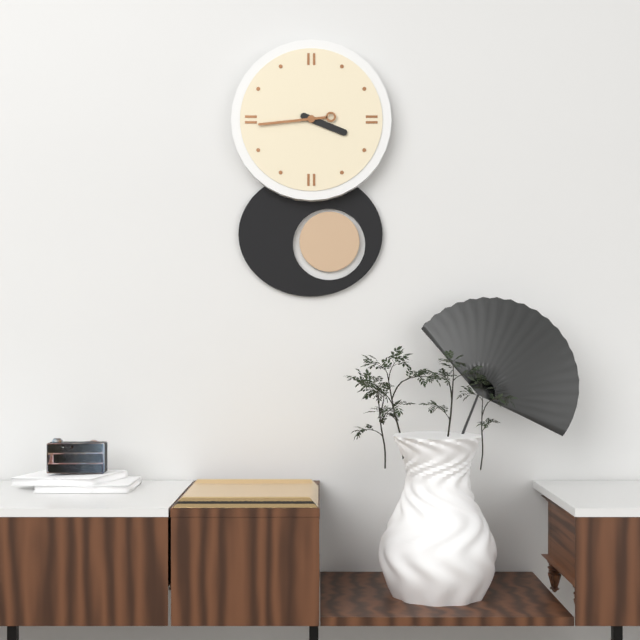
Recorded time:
3,44
